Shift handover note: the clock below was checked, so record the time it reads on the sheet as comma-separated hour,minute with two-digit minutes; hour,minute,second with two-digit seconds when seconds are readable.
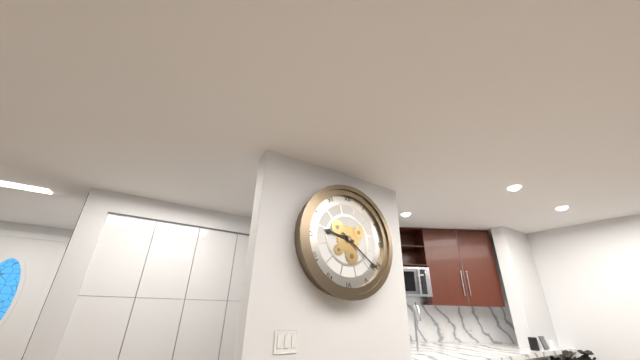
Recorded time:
9,21
